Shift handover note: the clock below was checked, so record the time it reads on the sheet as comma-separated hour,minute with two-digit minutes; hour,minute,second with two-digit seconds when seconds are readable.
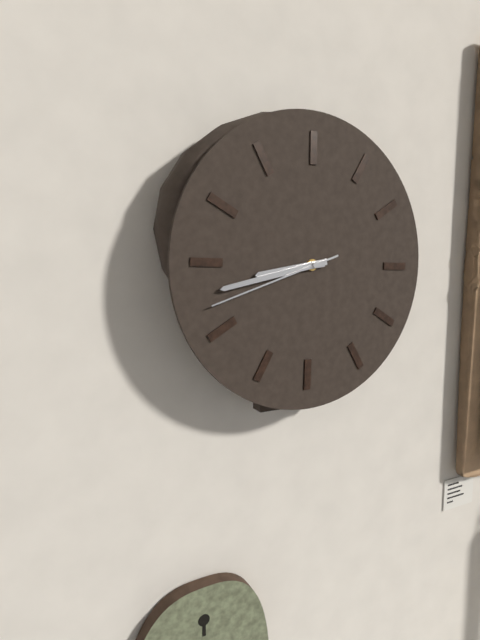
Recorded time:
8,43,42
